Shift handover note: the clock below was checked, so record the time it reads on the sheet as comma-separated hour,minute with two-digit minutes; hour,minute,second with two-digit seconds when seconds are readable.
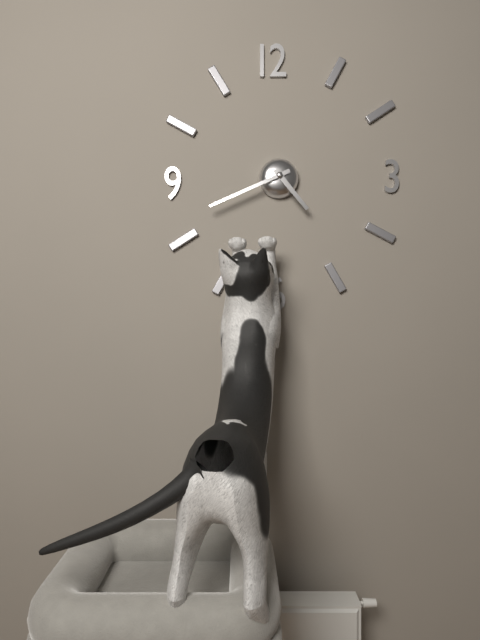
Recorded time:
4,41
